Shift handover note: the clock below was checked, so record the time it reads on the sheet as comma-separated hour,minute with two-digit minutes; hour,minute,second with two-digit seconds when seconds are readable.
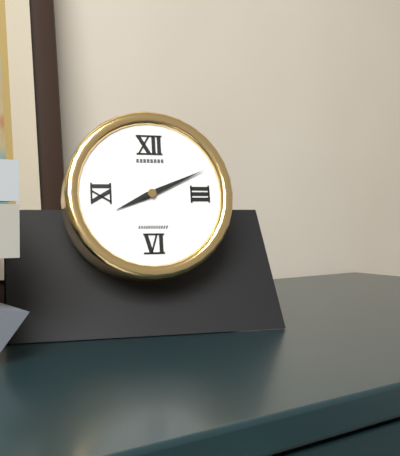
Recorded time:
8,11
